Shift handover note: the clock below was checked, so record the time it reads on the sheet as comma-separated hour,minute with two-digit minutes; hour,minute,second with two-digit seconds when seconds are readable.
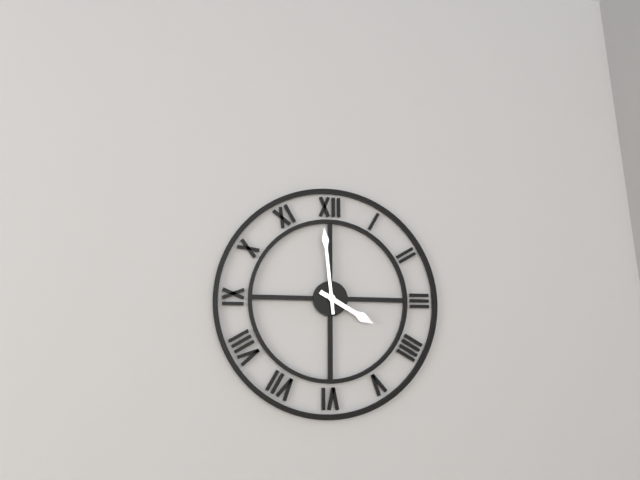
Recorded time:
3,59
